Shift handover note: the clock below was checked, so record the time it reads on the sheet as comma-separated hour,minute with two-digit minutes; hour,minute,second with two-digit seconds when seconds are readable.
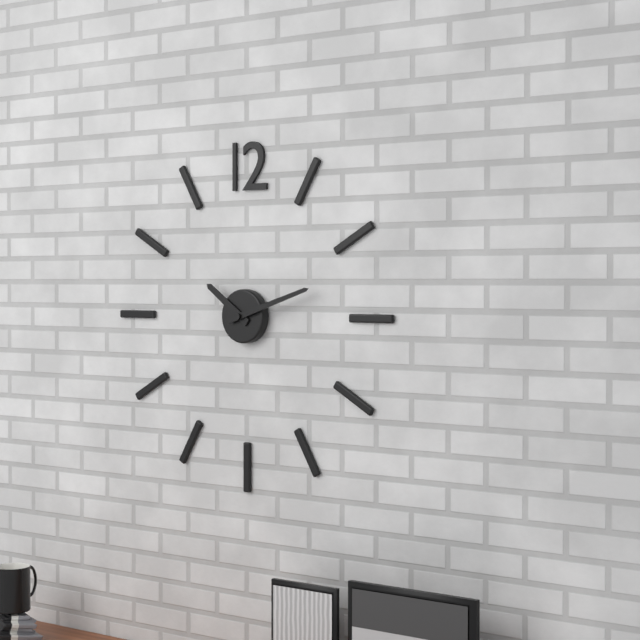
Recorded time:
10,12
